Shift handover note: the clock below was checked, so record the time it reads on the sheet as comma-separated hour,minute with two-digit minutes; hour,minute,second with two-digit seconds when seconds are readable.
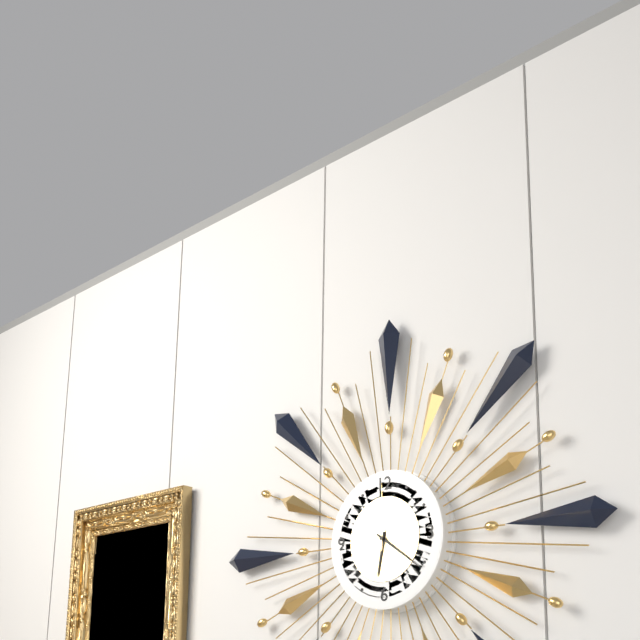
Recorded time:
6,21,00
